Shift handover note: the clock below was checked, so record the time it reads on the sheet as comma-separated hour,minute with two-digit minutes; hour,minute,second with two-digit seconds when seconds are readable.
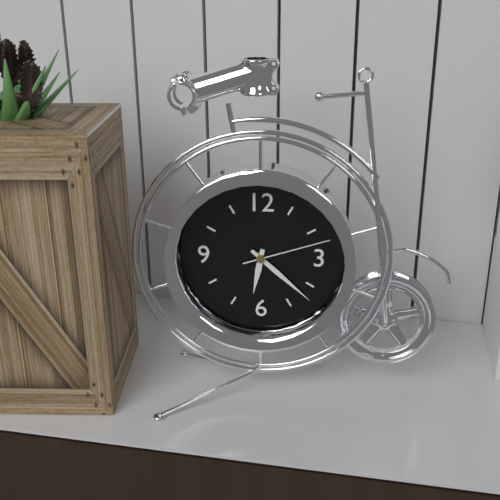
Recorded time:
6,22,12
